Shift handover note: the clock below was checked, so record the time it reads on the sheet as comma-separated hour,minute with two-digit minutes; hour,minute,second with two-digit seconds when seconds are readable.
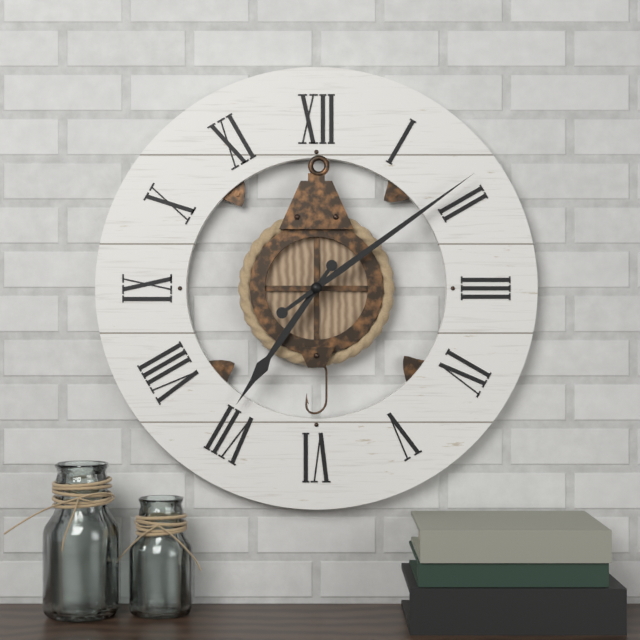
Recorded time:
7,09
